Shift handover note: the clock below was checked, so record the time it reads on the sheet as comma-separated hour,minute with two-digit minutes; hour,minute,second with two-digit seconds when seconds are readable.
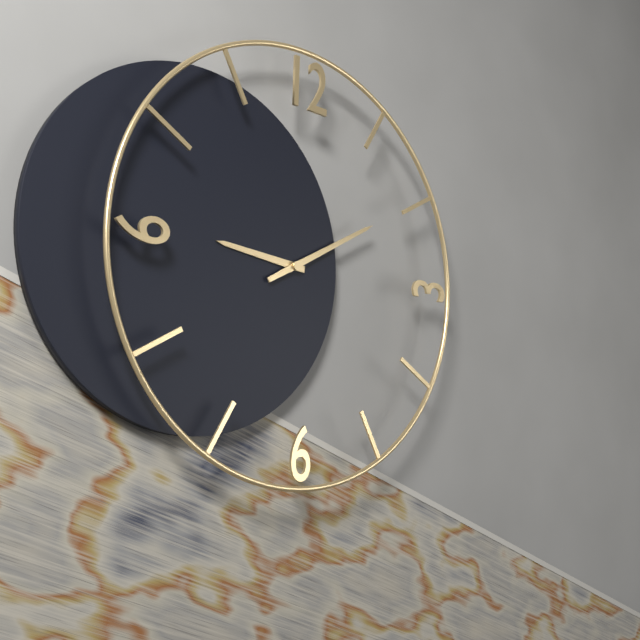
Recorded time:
9,10
